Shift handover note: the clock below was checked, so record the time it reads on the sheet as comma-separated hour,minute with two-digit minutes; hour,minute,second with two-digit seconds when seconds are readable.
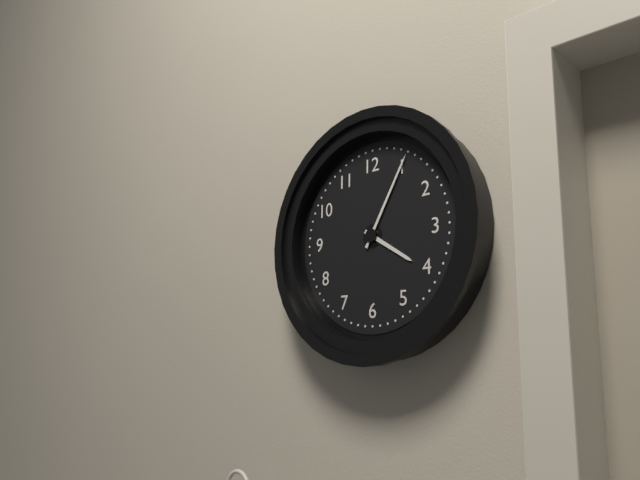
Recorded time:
4,05
